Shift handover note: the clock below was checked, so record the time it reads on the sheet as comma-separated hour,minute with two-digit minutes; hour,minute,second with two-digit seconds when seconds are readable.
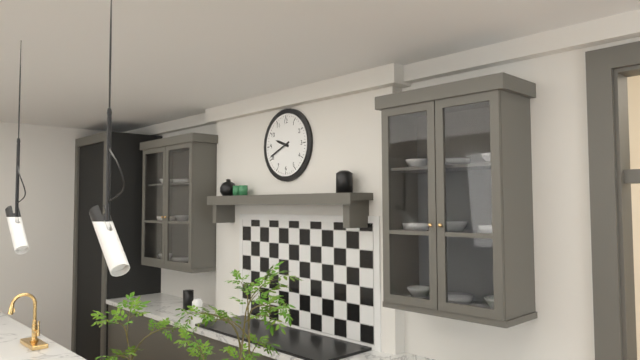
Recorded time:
9,41
